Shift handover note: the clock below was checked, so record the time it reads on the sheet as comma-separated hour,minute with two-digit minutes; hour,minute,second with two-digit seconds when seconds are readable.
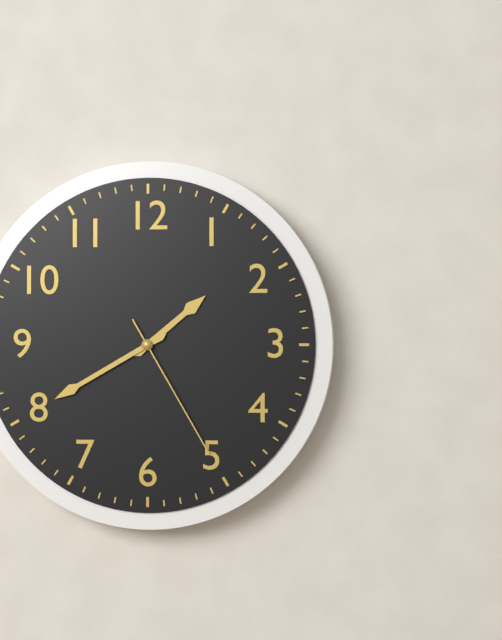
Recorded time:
1,40,25
